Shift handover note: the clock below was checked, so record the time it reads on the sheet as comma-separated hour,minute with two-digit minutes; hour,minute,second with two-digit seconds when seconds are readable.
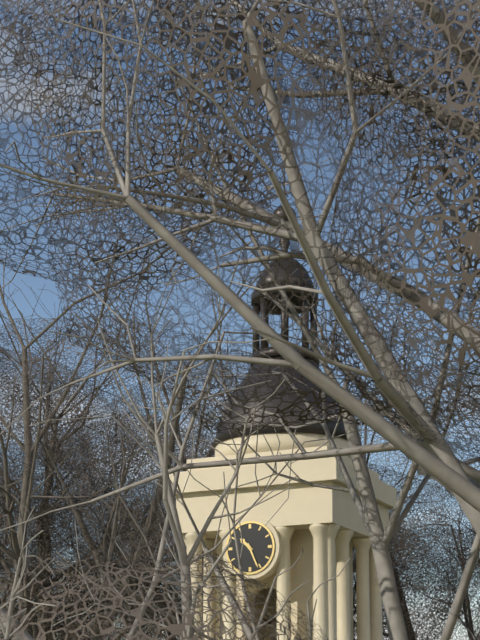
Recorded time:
10,26
